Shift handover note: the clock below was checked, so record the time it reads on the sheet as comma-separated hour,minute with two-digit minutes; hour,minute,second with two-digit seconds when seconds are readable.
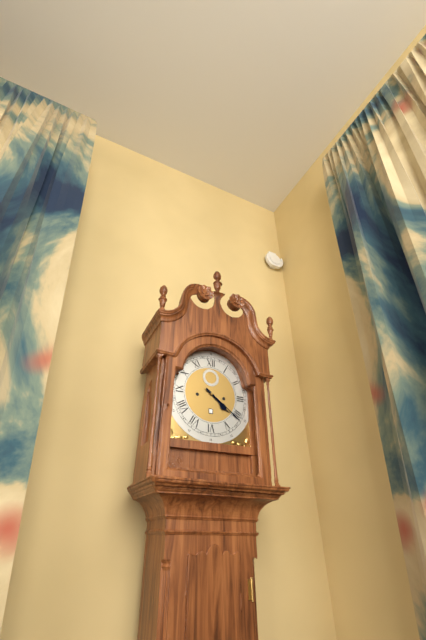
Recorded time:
4,21
